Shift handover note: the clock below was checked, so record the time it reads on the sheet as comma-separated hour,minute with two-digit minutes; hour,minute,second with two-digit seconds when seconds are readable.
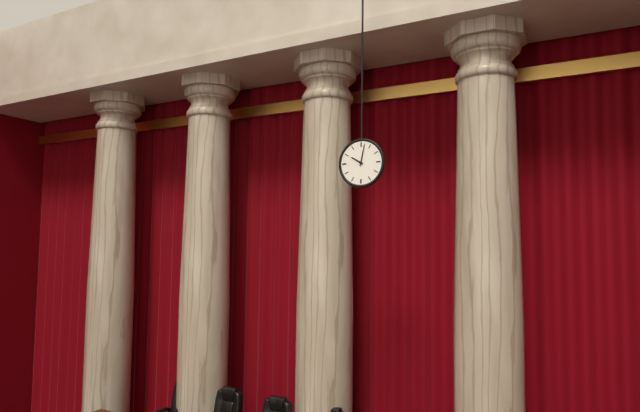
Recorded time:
10,02
